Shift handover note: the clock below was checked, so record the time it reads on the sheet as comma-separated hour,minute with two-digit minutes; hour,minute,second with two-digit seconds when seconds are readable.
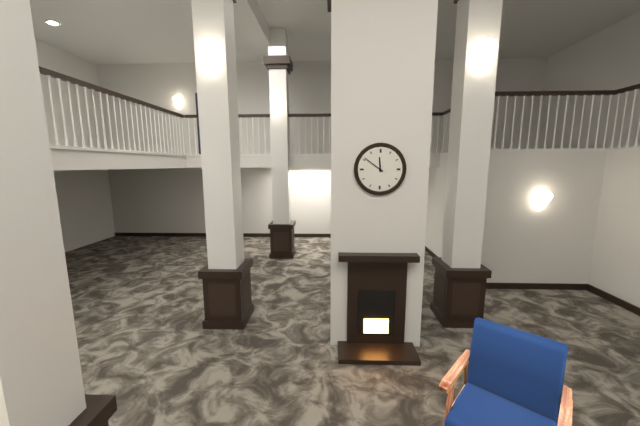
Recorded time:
11,51
